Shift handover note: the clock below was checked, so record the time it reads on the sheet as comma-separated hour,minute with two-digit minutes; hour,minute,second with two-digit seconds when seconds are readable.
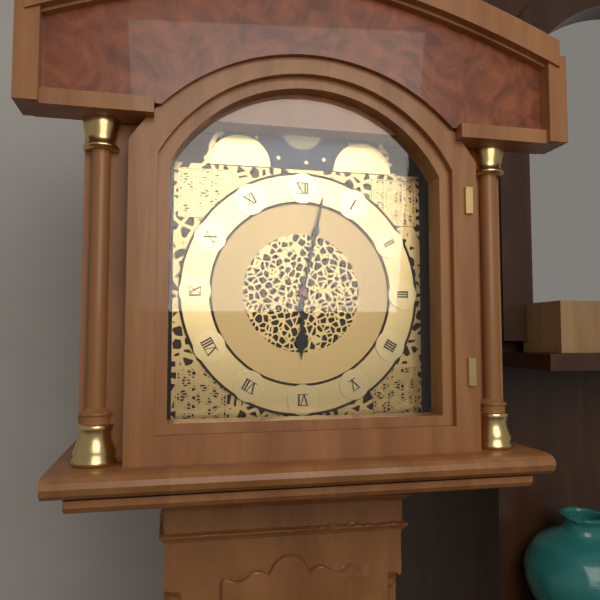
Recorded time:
6,02
